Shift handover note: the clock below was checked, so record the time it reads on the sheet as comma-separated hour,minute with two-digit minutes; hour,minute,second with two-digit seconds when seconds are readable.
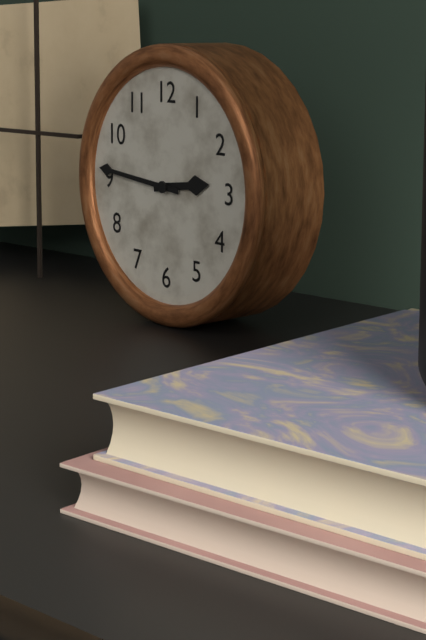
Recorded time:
2,46
